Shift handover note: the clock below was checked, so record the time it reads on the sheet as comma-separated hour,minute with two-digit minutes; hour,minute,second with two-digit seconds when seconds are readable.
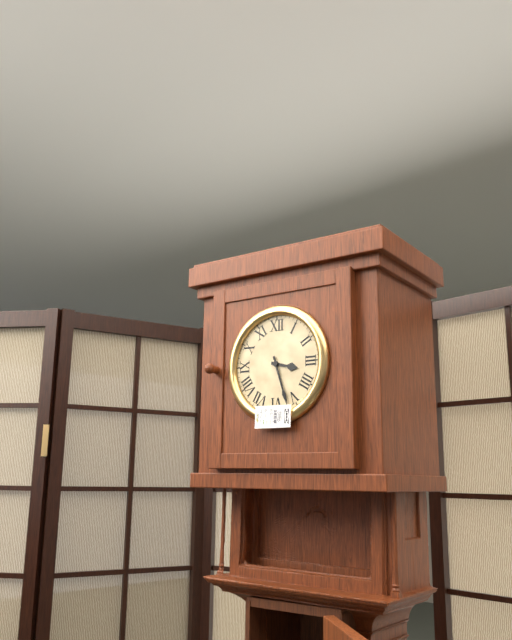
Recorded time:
3,27
